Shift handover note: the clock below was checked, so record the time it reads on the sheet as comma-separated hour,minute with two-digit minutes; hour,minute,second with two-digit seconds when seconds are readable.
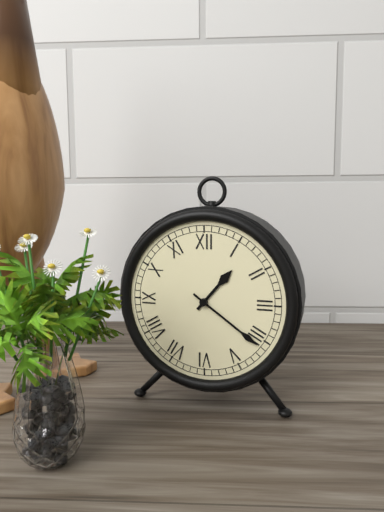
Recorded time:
1,21
